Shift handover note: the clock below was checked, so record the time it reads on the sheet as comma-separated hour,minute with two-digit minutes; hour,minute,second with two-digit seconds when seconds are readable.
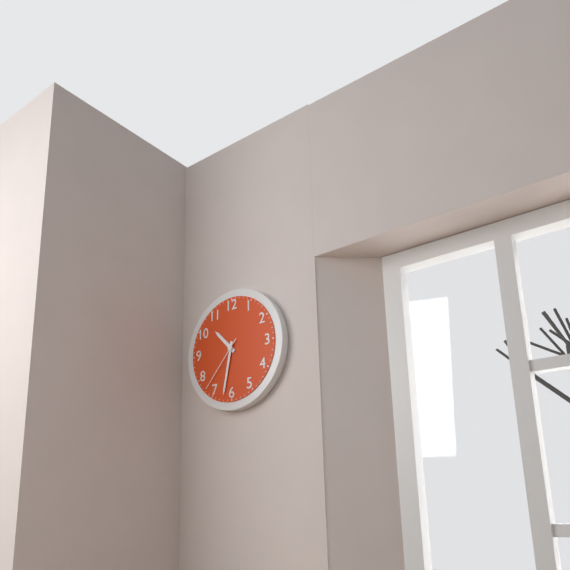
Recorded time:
10,32,37
